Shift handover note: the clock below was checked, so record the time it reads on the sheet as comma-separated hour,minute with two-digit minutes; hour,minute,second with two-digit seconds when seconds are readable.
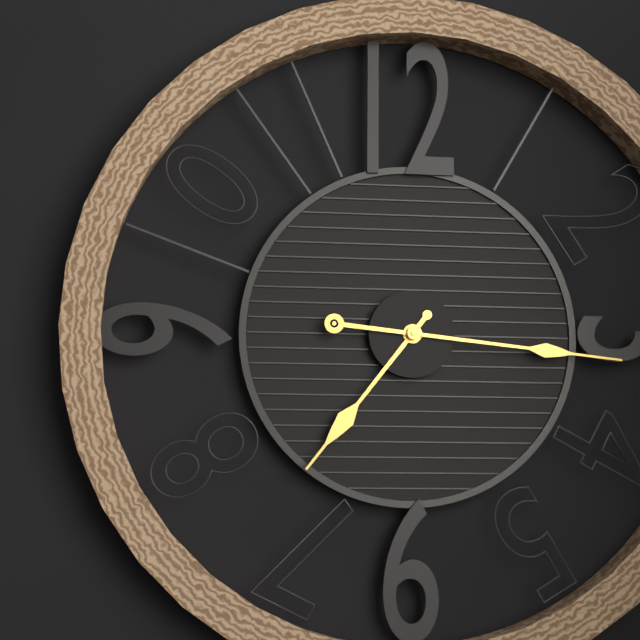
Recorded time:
7,16
